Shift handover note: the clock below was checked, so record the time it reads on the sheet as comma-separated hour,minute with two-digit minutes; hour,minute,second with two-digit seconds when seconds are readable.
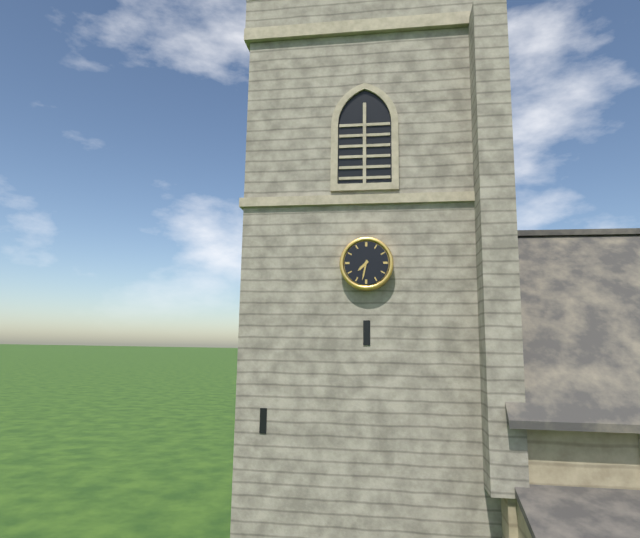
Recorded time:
7,32
